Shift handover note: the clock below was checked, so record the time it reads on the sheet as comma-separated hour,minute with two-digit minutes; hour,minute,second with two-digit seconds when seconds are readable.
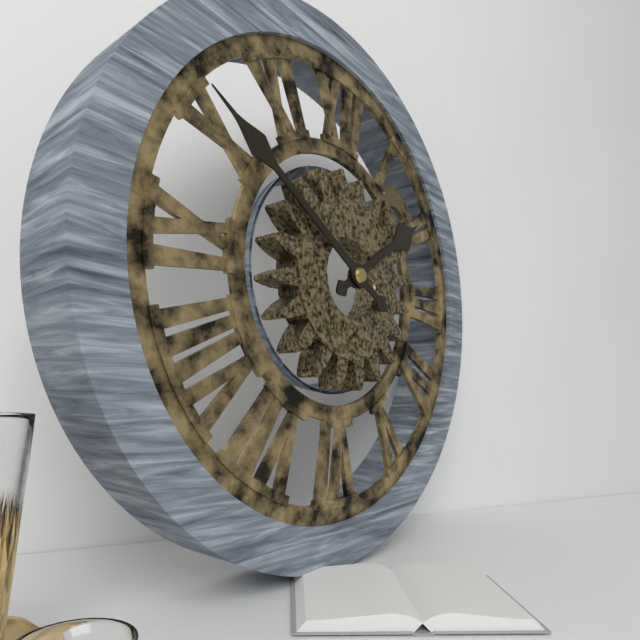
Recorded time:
1,50
